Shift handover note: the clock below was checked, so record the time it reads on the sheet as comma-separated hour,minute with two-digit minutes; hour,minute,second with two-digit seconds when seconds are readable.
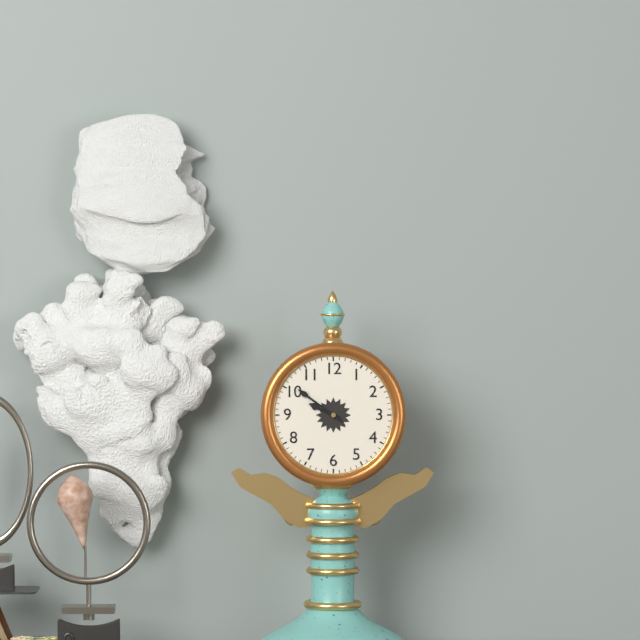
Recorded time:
9,51
